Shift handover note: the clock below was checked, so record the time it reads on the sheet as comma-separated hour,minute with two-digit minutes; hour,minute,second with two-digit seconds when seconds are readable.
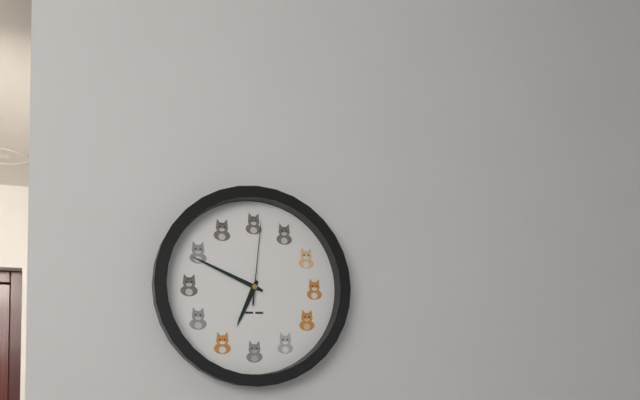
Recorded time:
6,49,01
